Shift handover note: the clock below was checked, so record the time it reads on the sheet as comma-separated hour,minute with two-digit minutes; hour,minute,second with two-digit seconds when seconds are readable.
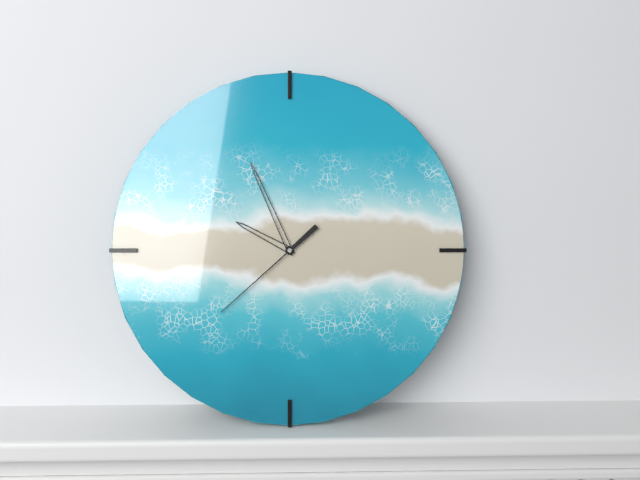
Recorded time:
9,56,38
